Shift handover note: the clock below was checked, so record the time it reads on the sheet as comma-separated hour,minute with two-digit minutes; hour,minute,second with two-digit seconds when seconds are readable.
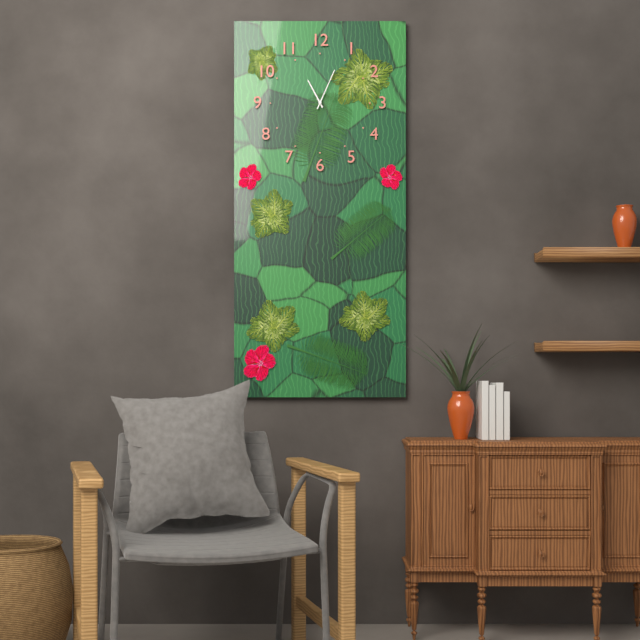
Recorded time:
11,04
